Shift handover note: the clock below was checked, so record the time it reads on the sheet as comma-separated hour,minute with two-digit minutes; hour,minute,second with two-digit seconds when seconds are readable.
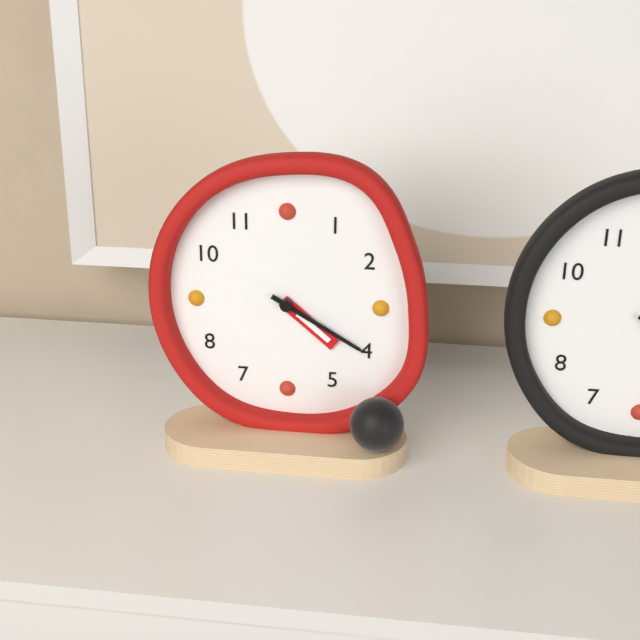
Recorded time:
4,20
